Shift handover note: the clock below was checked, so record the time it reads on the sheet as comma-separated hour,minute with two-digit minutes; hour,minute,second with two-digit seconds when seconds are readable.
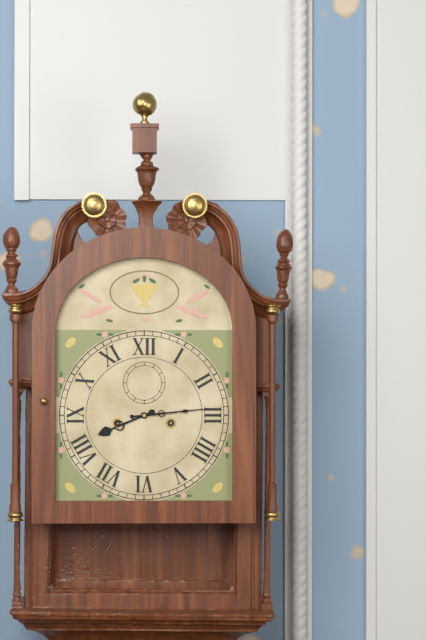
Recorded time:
8,14
